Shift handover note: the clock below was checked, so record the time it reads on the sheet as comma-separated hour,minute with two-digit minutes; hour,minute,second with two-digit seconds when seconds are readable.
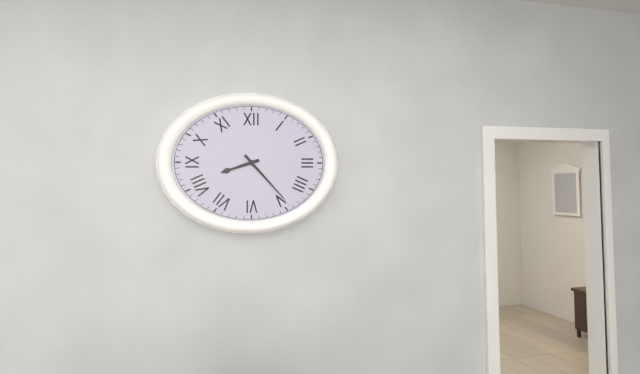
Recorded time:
8,23
